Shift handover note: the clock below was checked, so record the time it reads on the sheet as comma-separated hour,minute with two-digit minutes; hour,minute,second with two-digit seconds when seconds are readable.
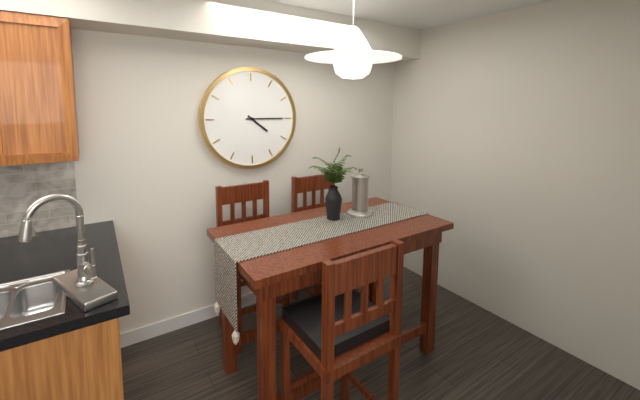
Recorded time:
4,15
